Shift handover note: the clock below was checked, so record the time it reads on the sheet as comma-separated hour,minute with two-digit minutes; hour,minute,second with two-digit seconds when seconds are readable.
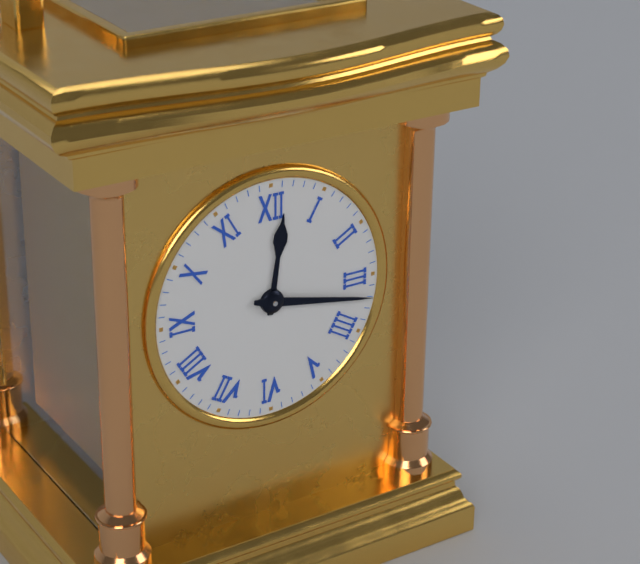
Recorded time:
12,17
